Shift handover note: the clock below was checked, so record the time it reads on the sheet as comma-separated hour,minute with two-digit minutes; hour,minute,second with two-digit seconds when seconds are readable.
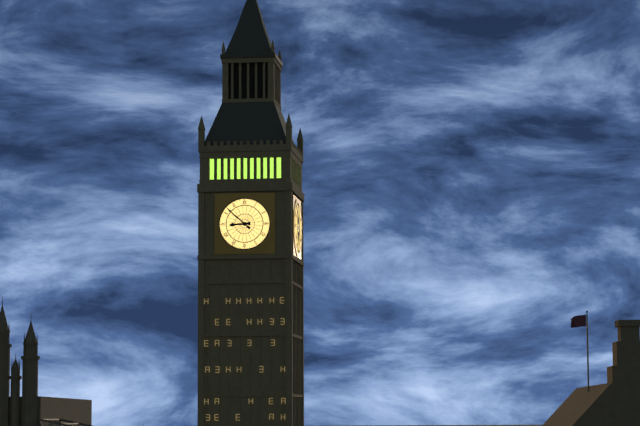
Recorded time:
8,52
